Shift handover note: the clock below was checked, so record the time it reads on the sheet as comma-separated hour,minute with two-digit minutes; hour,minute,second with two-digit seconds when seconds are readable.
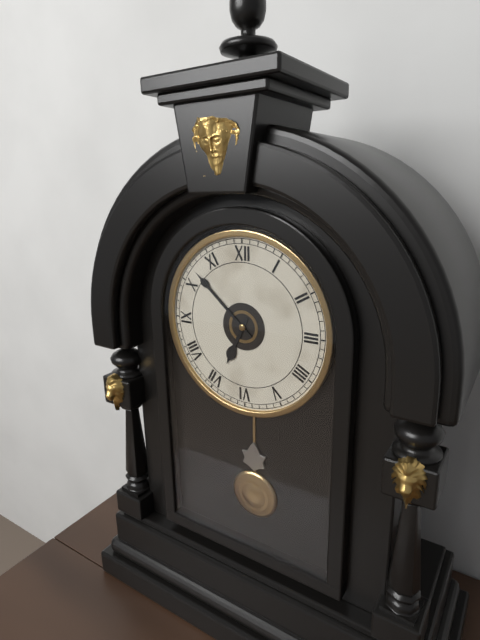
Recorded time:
6,52
